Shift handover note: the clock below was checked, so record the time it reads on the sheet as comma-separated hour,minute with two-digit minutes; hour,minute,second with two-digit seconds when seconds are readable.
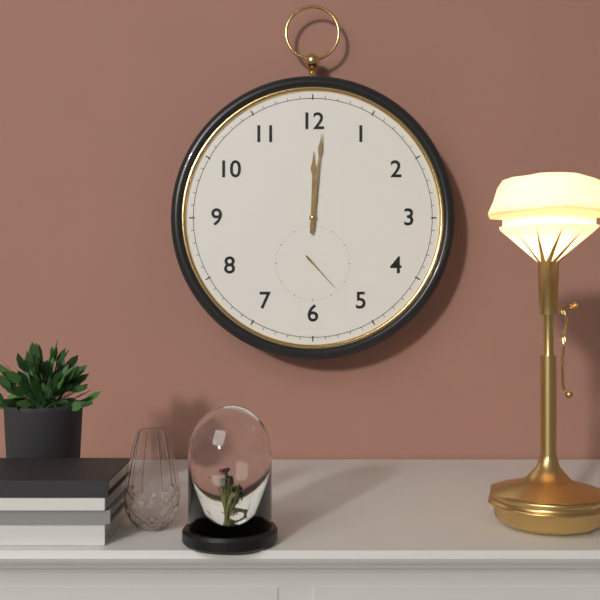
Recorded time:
12,01
